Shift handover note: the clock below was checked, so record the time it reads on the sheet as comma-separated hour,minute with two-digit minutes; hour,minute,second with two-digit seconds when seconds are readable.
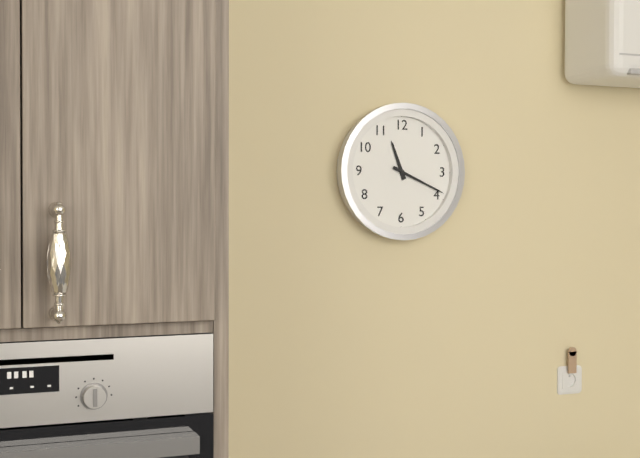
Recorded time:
11,19
